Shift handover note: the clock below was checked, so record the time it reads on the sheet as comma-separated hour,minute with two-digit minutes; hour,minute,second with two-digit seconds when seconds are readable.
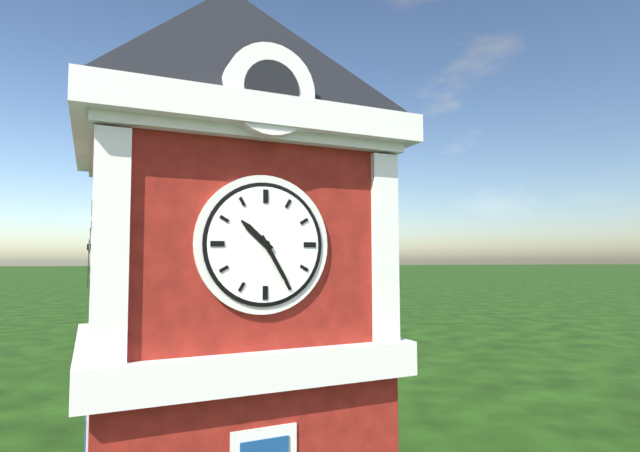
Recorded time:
10,25
